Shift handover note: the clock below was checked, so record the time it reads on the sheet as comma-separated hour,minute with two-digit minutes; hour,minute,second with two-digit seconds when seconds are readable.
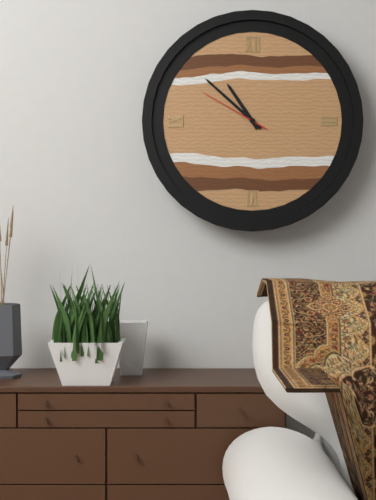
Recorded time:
10,52,50
